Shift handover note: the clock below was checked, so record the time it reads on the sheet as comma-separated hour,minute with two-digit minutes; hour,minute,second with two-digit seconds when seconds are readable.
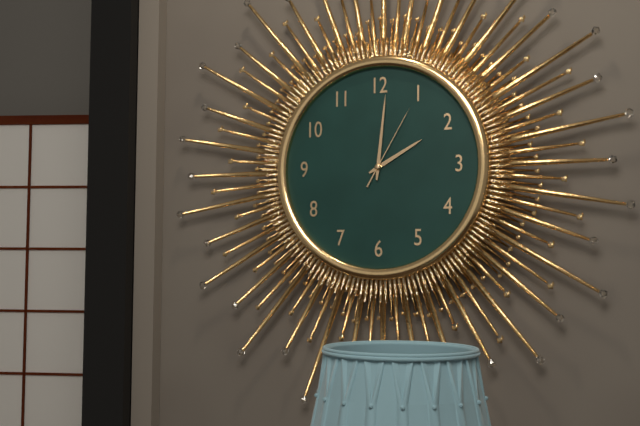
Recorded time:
2,01,05
